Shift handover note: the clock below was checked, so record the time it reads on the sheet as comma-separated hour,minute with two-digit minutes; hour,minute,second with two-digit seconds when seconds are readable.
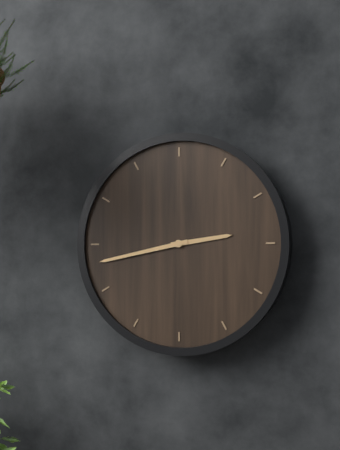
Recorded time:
2,43
